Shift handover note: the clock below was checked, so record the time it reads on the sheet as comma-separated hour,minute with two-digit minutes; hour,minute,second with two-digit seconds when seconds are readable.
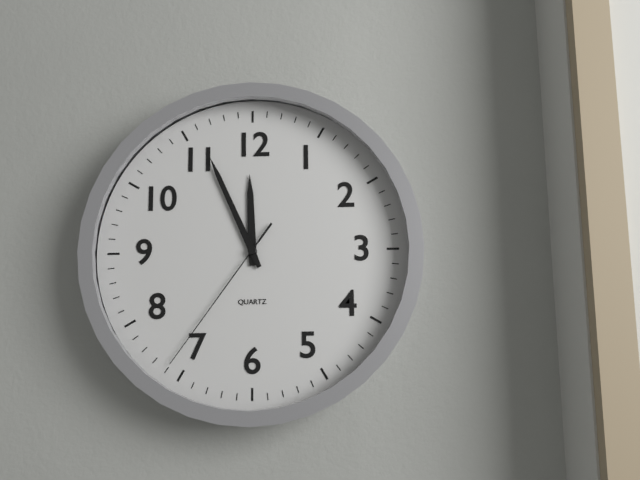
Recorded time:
11,56,36
